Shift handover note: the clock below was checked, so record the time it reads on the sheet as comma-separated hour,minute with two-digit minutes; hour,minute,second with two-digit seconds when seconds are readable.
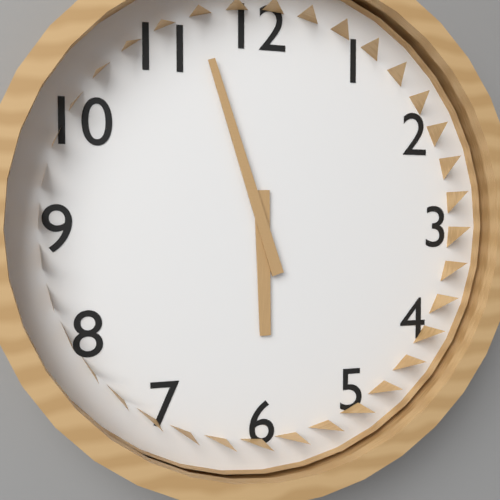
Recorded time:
5,57
